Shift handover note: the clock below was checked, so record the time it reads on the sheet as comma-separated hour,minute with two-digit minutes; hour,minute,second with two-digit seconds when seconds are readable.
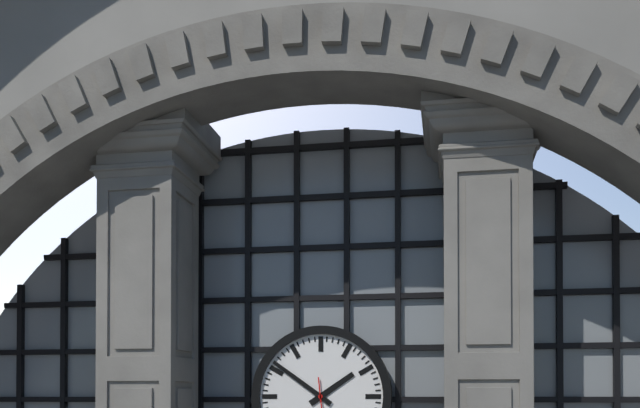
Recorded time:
1,51
